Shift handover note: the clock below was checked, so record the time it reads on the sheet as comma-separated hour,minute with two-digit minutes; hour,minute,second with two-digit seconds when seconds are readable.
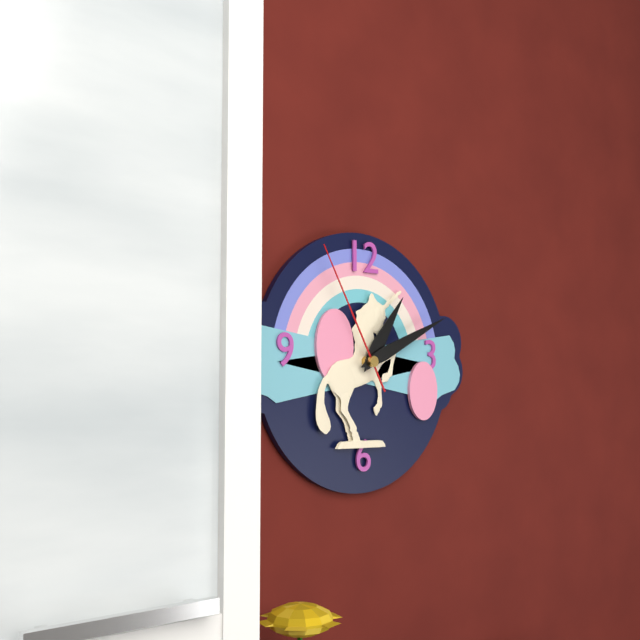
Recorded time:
1,11,55
